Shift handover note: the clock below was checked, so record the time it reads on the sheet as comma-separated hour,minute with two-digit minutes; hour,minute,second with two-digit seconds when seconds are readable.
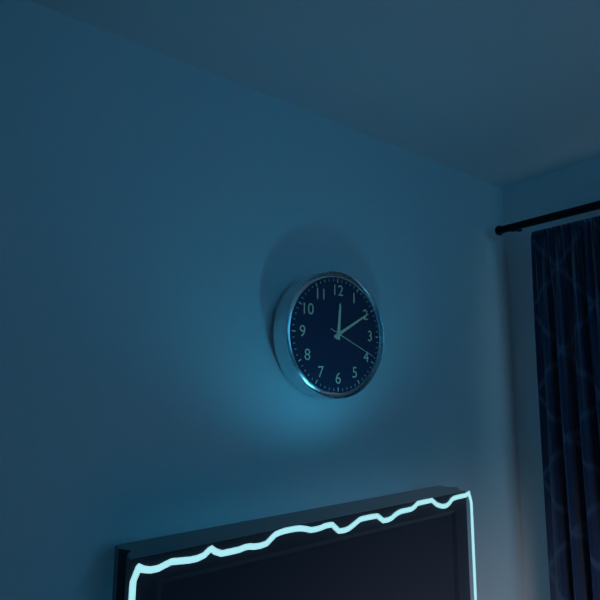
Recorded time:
12,10,19
